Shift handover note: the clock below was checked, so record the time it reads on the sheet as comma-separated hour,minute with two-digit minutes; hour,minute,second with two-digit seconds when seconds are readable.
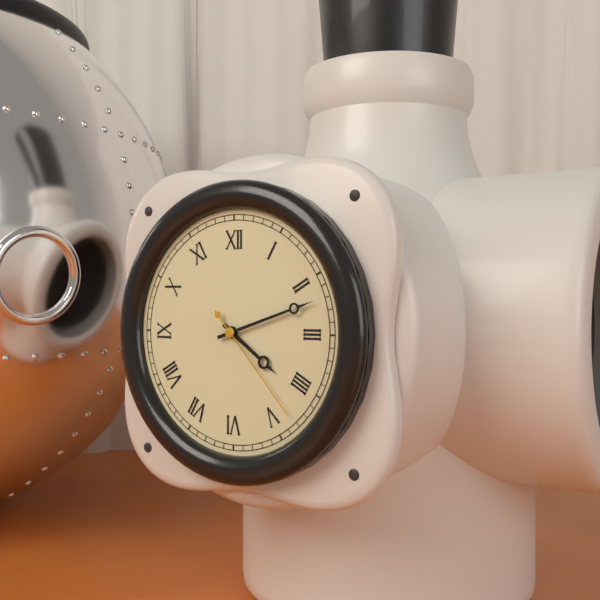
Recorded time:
4,12,23
